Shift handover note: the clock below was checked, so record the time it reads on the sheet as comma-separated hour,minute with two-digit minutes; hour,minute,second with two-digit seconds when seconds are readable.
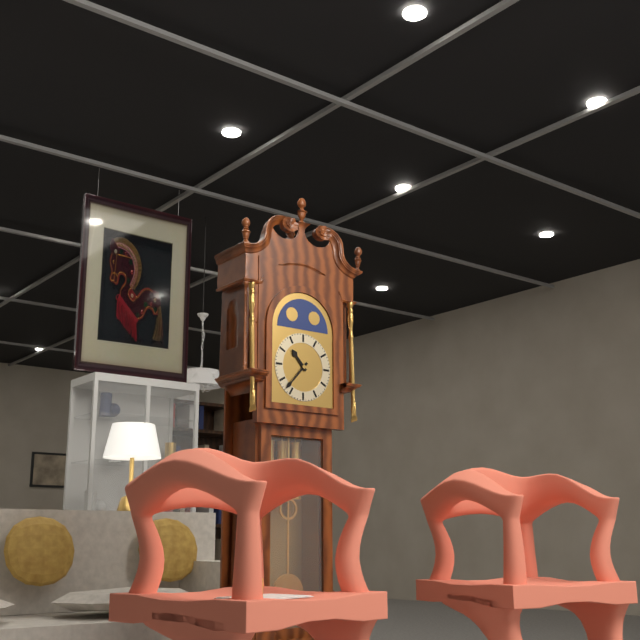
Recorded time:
10,37
